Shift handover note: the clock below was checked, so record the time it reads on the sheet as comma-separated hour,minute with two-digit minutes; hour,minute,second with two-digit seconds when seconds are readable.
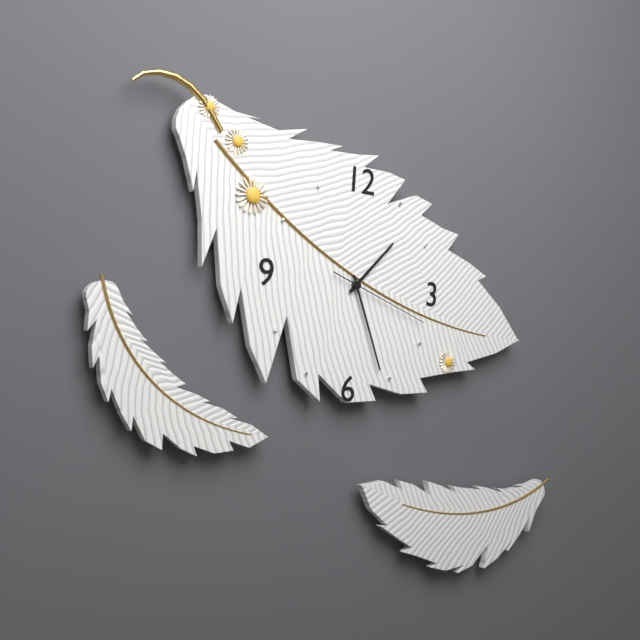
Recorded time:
1,26,18
